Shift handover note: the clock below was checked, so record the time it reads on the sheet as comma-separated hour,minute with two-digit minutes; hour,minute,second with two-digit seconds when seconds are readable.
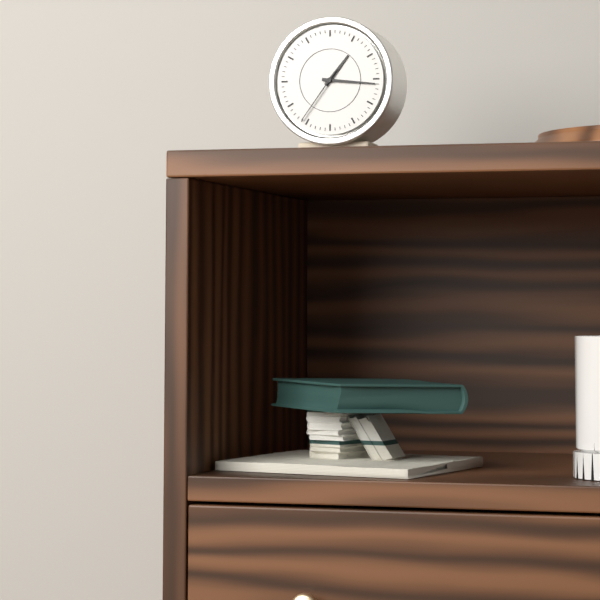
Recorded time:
1,16,36
